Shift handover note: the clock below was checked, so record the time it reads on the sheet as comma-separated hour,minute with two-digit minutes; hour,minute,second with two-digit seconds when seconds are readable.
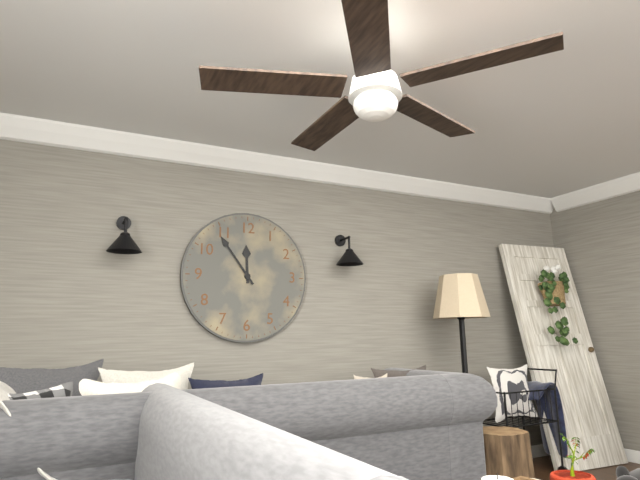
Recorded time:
11,54
